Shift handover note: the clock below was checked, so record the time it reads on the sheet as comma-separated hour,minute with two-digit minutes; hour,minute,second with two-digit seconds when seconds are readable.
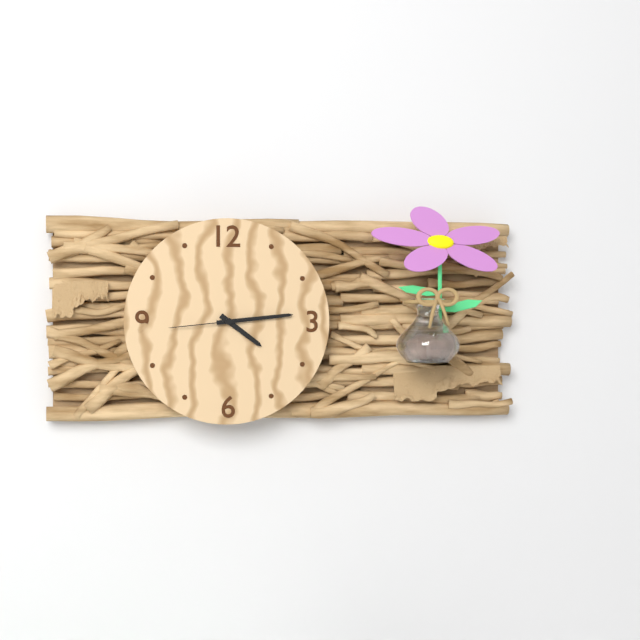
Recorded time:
4,14,44
